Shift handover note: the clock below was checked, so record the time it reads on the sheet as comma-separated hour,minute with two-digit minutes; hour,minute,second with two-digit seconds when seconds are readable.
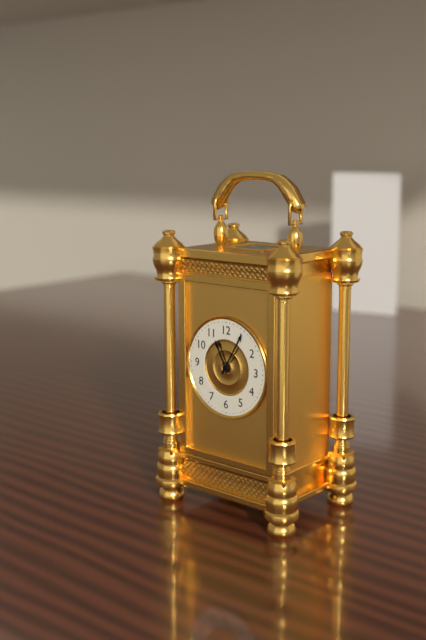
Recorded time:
11,05
